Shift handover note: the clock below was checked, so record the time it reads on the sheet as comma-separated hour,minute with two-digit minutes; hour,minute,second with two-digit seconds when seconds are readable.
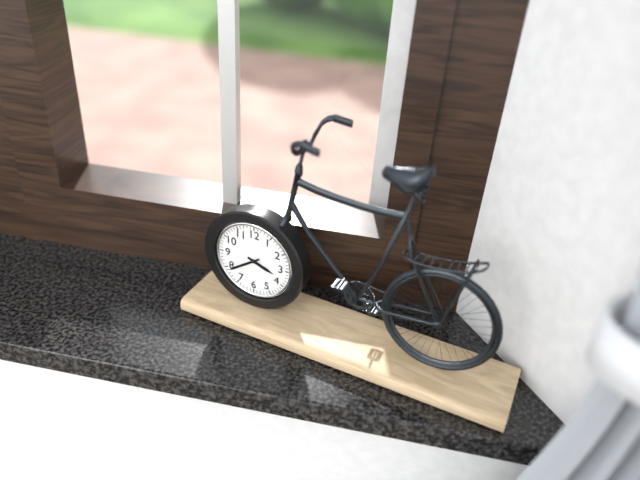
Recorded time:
3,39
